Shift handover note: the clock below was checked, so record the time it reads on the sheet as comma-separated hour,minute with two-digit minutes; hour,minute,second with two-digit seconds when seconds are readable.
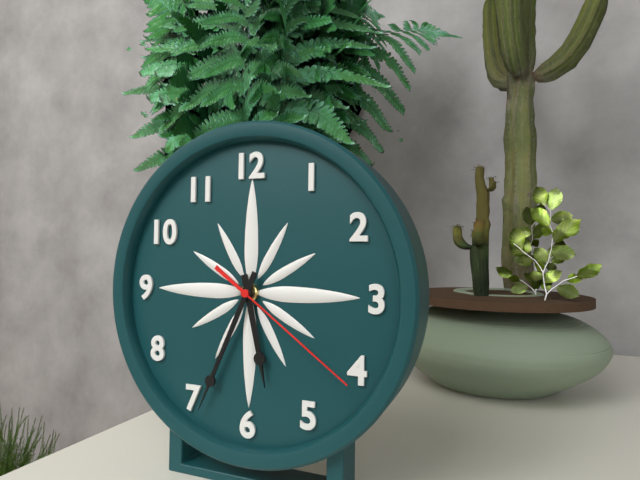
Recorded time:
5,34,21
